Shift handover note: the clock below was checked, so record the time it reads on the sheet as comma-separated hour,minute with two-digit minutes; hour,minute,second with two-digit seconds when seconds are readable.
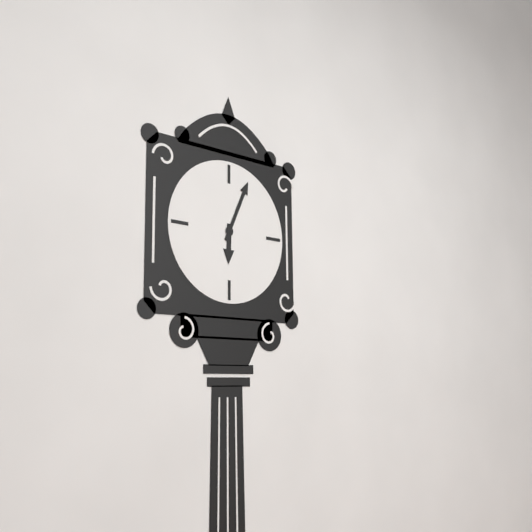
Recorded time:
6,04
